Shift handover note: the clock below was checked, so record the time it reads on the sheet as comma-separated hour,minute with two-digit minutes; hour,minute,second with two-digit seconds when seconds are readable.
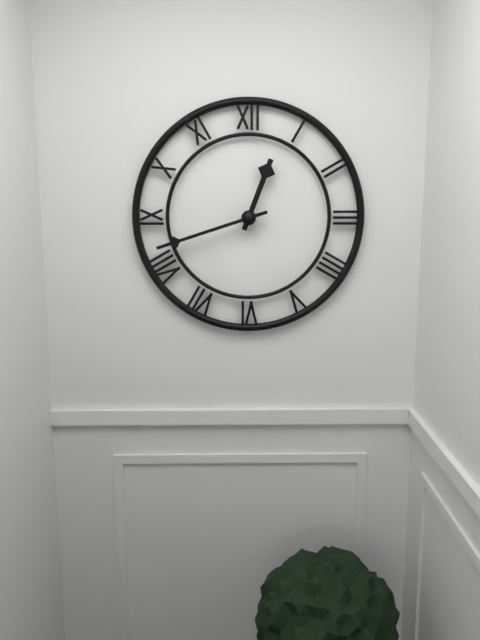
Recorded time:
12,42
